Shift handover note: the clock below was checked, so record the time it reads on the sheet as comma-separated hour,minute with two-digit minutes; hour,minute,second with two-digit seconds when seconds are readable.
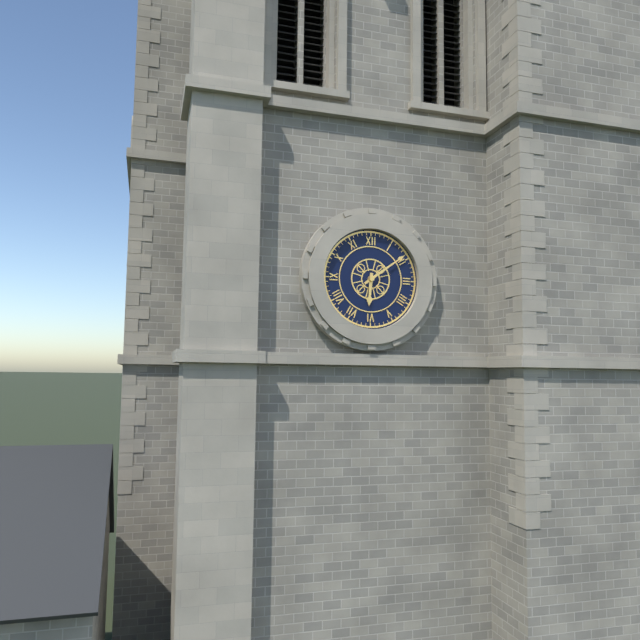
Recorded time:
6,09
